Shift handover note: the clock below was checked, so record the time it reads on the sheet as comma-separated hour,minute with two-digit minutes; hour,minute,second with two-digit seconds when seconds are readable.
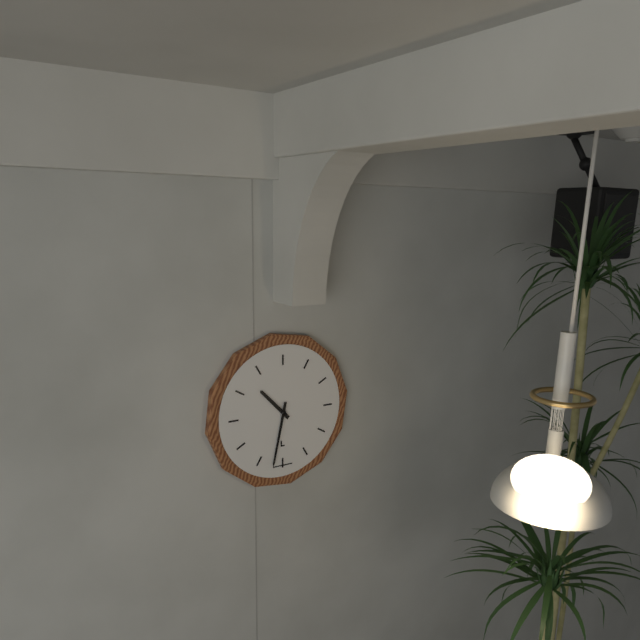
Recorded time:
10,32
